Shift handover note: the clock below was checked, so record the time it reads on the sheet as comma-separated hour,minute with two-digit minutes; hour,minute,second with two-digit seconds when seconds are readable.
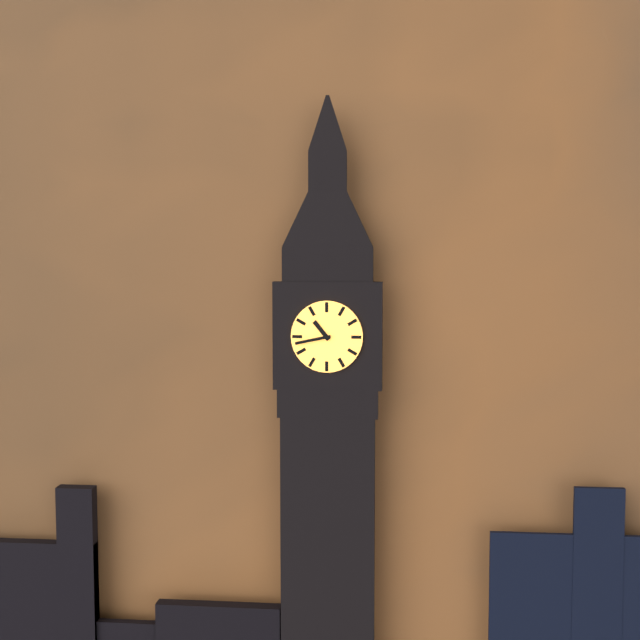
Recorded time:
10,43
